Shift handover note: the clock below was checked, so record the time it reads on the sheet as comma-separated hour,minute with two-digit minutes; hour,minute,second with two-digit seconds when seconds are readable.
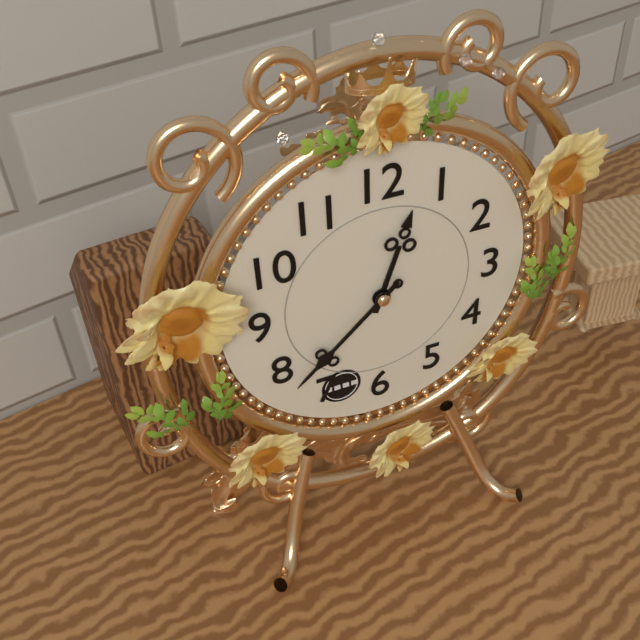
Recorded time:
12,38
